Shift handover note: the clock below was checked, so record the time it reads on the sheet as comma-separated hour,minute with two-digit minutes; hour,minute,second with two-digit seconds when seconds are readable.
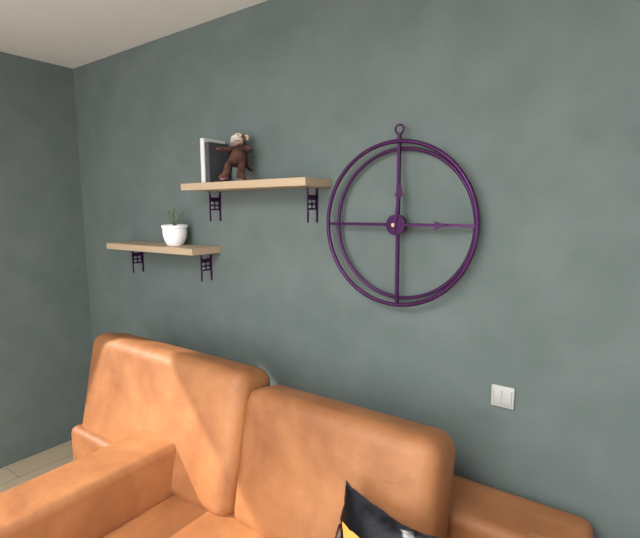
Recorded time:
12,15,45
